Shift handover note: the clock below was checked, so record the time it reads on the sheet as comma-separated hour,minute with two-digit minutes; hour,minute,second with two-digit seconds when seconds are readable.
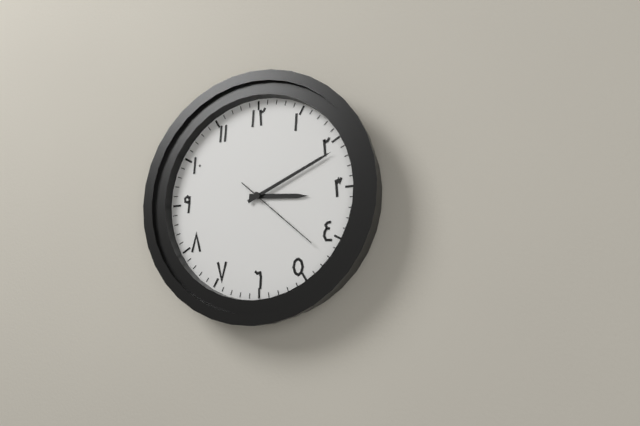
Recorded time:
3,11,22
